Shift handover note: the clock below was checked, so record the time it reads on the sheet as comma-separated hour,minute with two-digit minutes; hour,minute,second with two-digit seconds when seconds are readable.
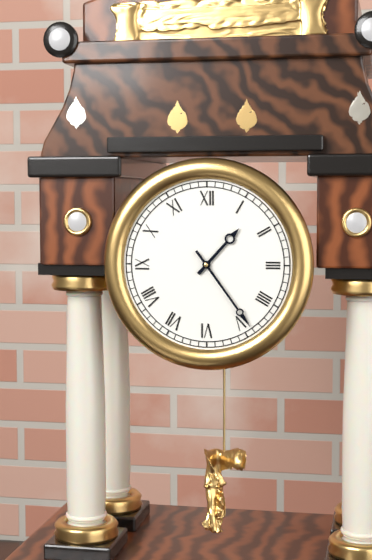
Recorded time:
1,24
